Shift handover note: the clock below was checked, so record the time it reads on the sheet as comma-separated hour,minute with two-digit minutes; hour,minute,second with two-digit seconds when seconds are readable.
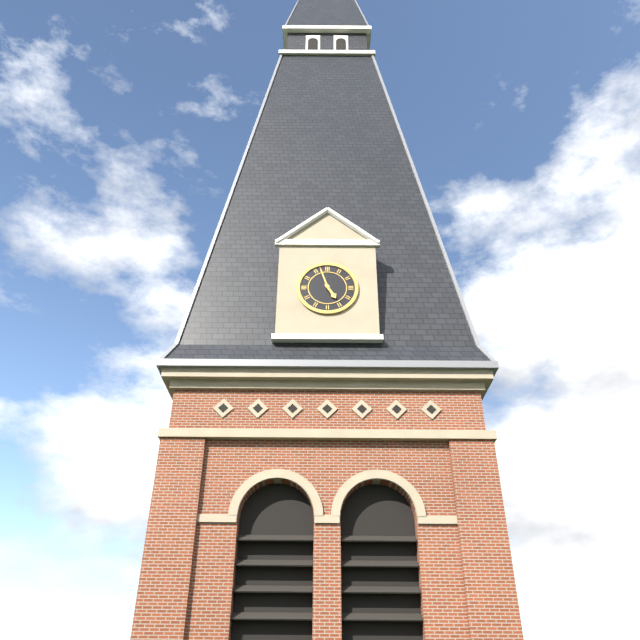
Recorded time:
4,57
